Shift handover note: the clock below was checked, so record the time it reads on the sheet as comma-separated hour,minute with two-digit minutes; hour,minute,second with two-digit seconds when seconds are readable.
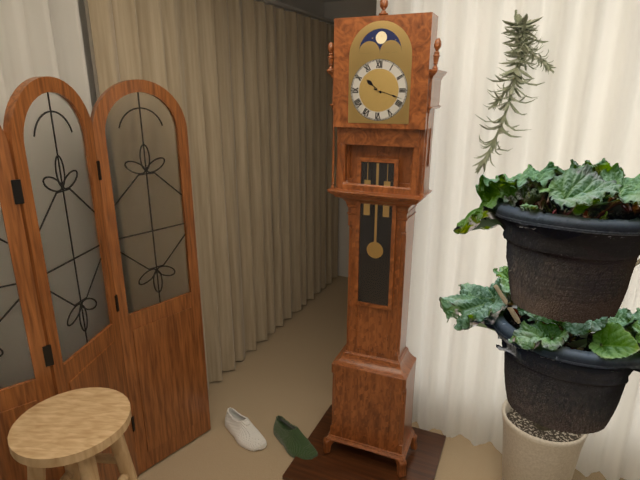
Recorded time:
10,18
